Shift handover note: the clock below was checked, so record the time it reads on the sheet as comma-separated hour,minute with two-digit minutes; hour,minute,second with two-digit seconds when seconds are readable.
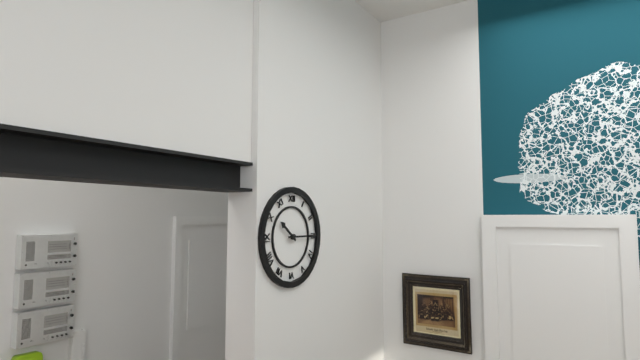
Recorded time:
10,15
